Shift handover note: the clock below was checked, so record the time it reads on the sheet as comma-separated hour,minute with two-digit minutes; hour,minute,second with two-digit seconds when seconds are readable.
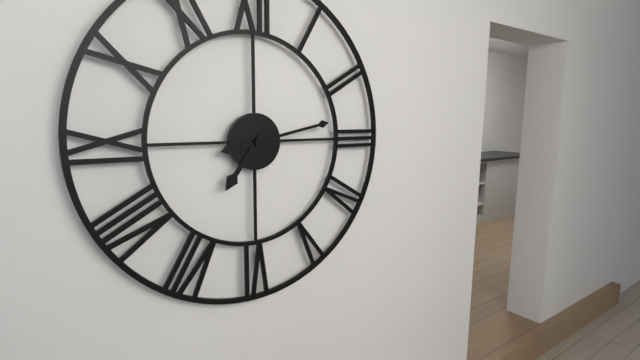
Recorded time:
7,13
